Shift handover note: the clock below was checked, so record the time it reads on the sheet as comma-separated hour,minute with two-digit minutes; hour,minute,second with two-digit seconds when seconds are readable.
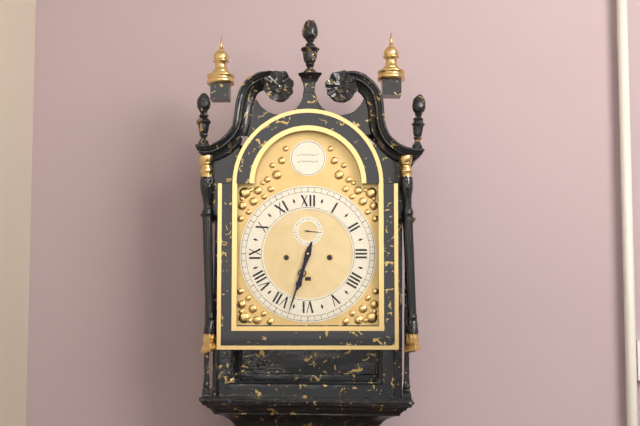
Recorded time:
6,33
